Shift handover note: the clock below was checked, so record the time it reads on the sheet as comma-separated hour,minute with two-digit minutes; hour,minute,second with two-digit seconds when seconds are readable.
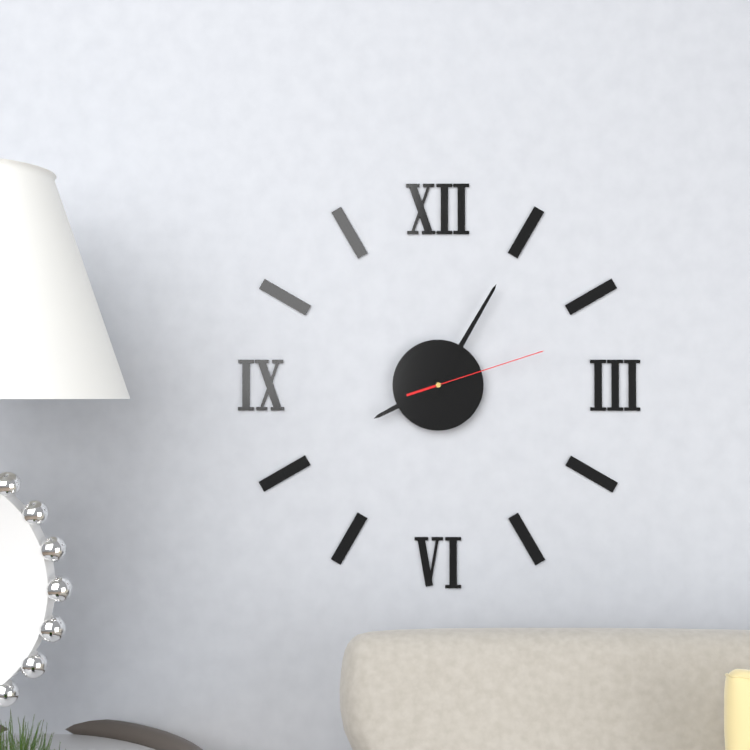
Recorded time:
8,05,12
